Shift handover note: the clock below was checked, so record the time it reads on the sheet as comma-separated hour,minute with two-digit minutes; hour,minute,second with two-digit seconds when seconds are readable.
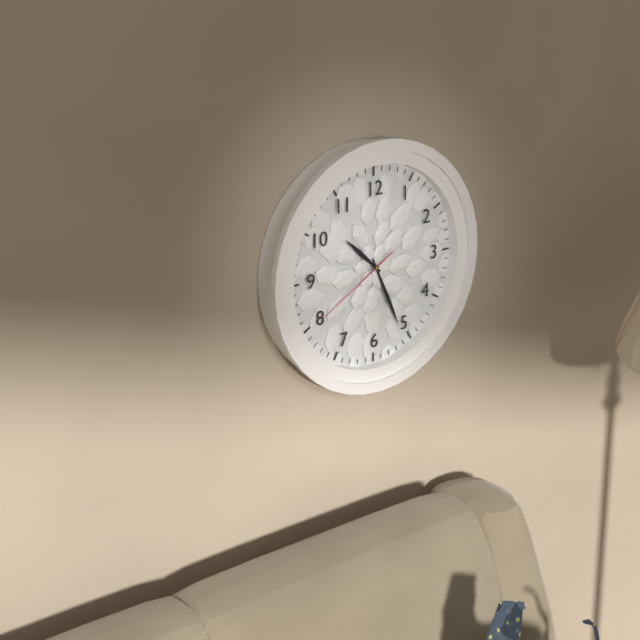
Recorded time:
10,26,40
